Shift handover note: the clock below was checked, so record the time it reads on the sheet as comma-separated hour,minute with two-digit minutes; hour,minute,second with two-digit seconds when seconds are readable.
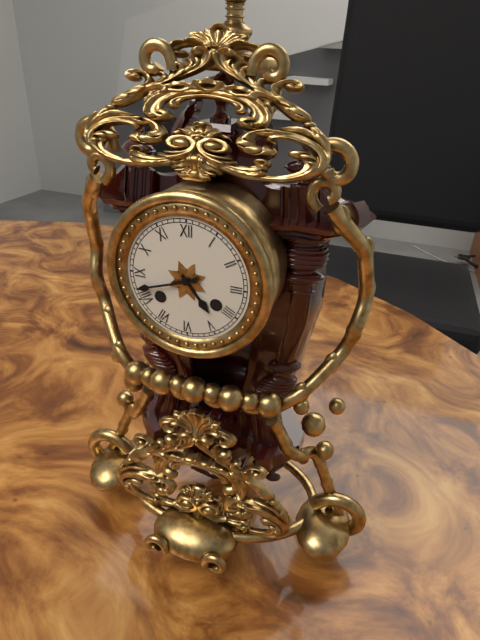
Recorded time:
4,42
